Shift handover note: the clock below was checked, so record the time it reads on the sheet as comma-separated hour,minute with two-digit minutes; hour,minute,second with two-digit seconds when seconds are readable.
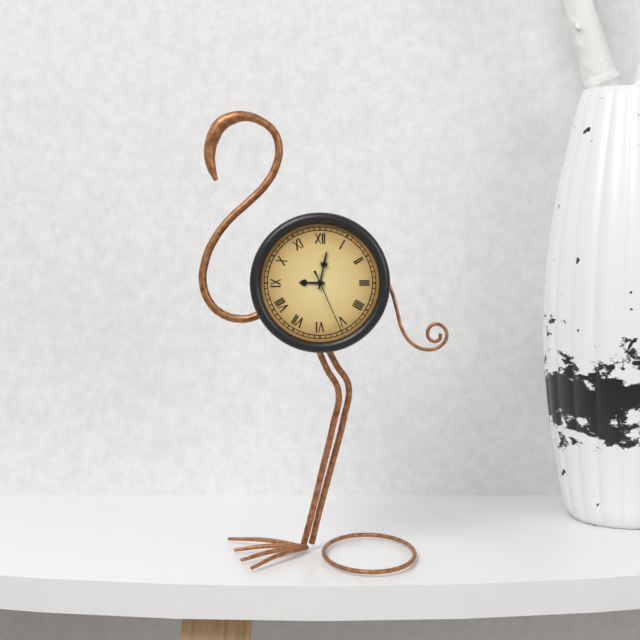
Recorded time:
9,02,26
